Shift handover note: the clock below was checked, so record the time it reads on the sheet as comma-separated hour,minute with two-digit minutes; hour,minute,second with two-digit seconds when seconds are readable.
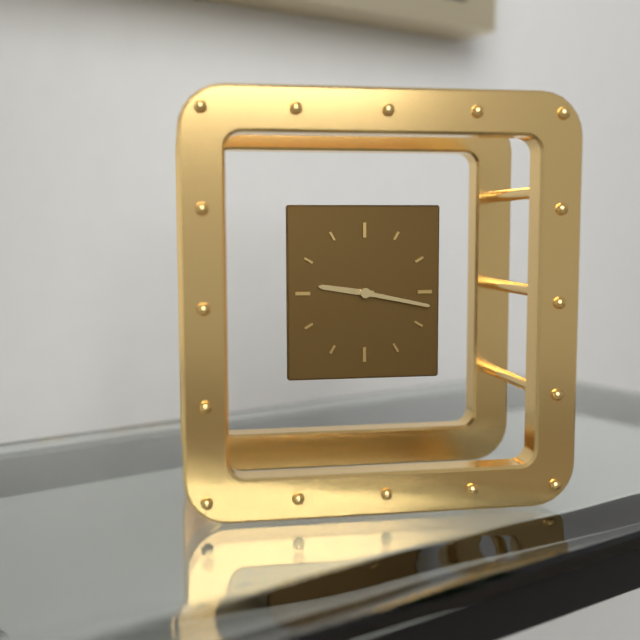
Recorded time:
9,17
